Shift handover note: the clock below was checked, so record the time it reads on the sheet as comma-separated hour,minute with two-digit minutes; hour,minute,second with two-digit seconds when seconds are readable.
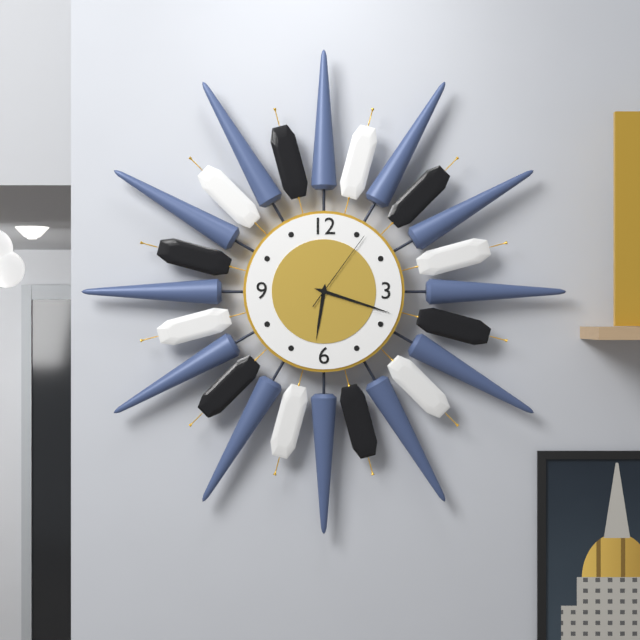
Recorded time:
6,18,06
